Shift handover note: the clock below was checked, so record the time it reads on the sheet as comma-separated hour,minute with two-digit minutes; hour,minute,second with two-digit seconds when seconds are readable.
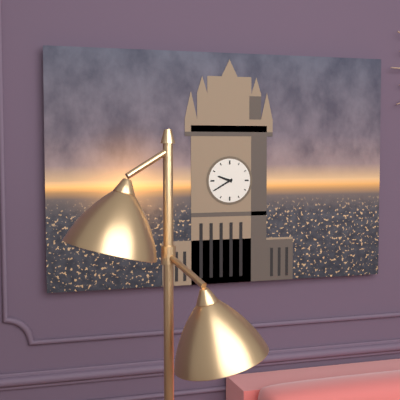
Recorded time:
9,40
